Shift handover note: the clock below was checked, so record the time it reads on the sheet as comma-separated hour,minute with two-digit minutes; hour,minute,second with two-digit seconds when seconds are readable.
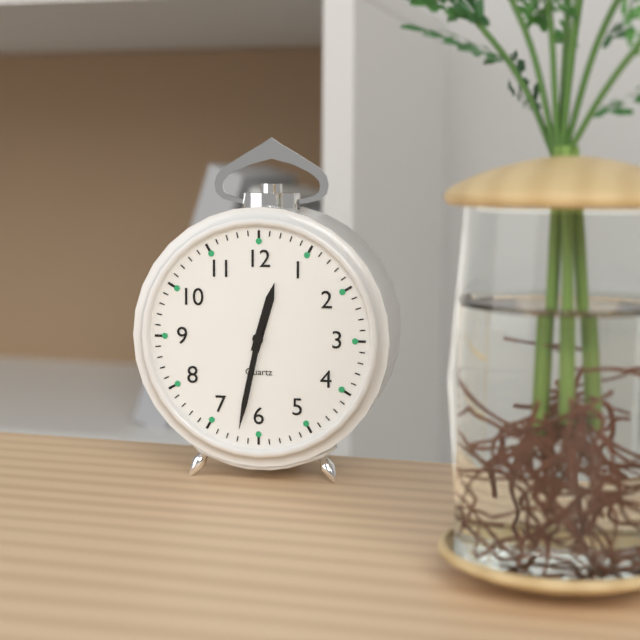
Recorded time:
12,32
